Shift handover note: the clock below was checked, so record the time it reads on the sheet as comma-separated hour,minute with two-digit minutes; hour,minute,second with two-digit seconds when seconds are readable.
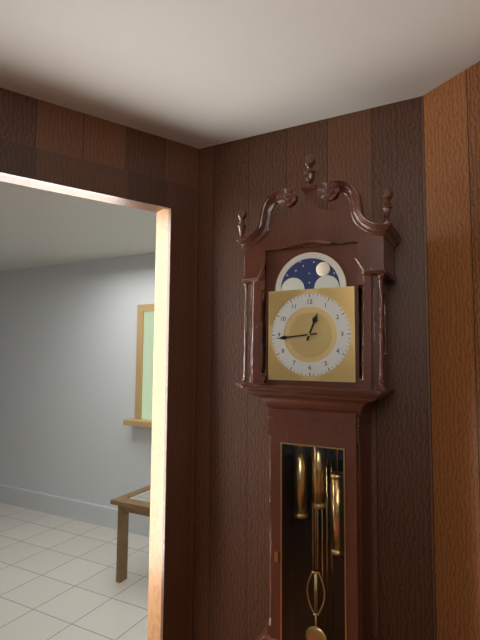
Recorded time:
12,44
